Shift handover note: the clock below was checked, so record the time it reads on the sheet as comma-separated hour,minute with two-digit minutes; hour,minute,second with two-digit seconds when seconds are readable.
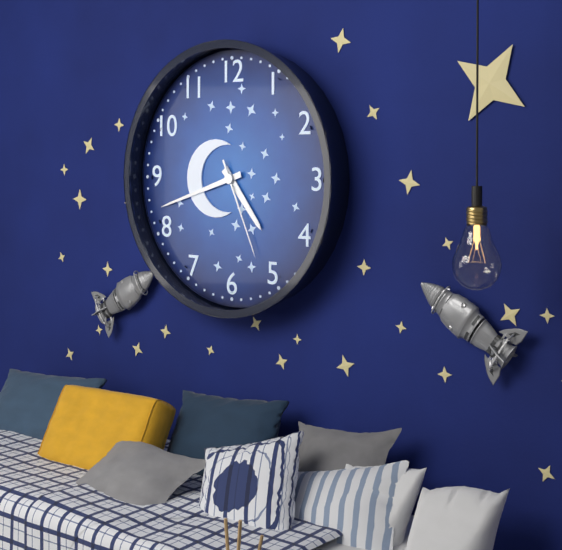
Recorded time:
4,42,26
